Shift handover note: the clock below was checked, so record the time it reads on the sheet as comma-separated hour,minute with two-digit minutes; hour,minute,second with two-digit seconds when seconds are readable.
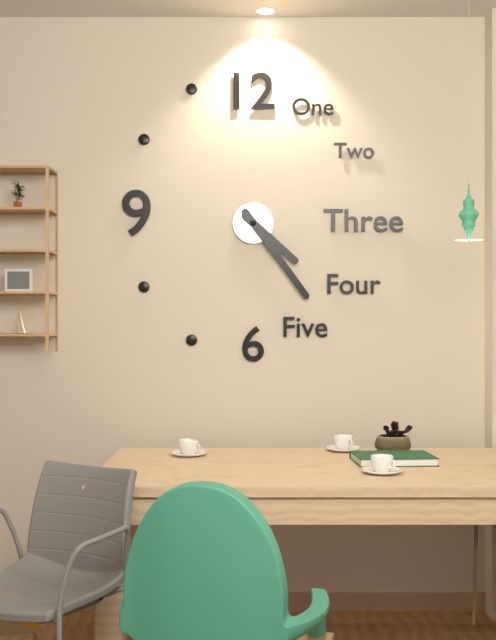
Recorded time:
4,24
